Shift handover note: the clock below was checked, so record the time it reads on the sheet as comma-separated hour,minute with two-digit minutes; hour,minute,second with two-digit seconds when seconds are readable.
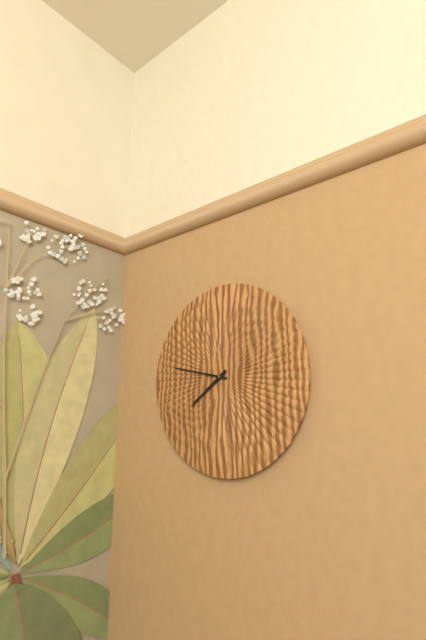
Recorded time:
7,47
